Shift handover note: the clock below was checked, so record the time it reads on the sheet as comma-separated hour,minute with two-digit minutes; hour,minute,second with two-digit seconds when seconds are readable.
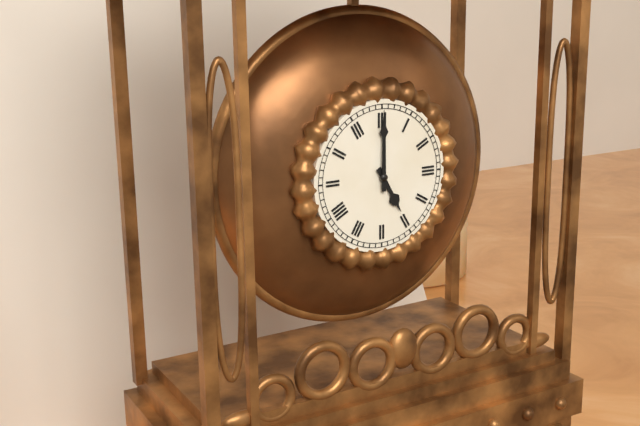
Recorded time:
5,00
